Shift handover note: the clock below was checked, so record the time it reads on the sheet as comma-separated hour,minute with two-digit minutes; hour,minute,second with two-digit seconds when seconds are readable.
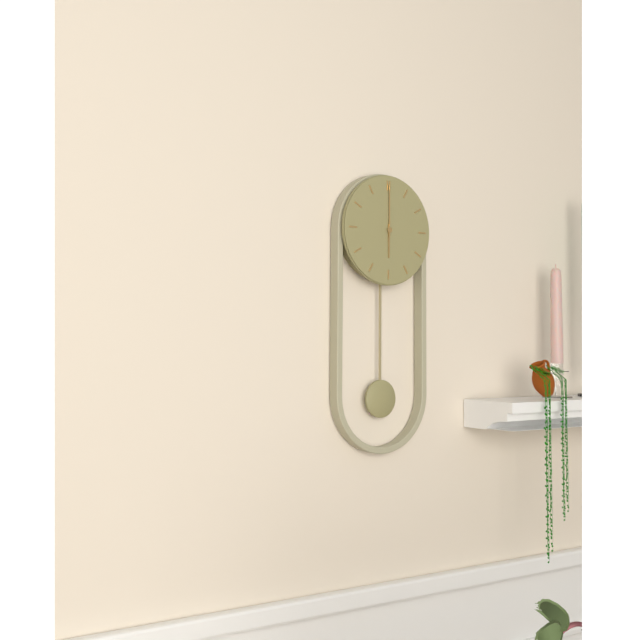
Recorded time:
6,00
